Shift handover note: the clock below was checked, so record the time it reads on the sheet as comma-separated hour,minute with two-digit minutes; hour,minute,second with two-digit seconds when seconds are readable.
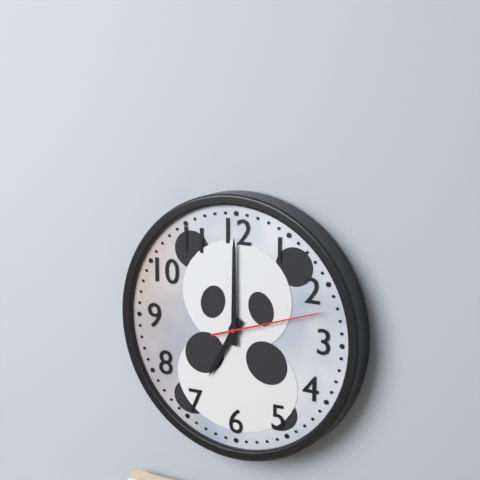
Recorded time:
7,00,12
